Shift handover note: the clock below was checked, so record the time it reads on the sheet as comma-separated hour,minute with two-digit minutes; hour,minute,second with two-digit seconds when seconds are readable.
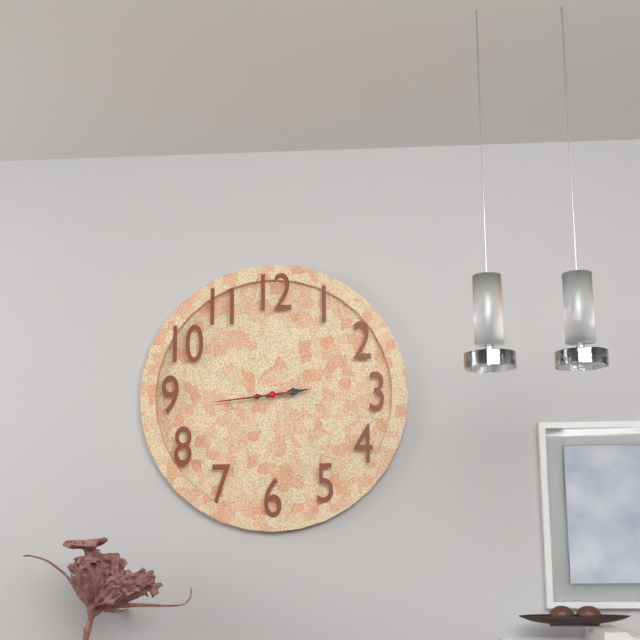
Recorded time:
2,44,44
